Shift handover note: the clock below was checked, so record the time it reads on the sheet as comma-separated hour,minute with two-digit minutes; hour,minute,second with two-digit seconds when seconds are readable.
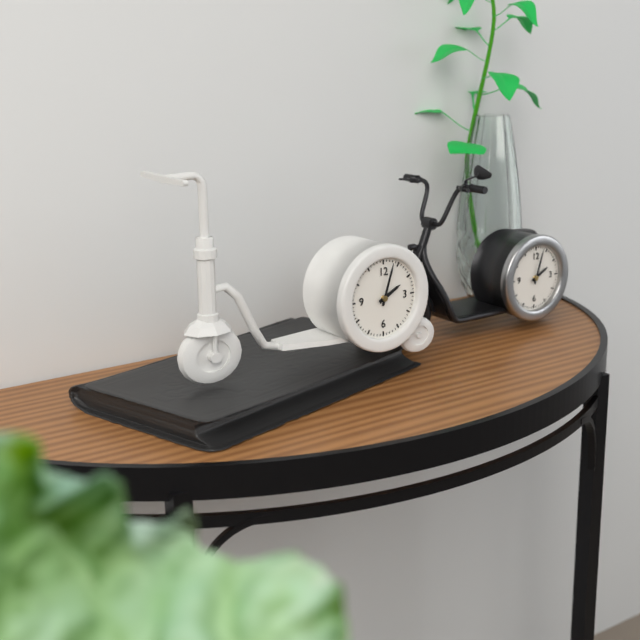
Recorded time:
2,03
